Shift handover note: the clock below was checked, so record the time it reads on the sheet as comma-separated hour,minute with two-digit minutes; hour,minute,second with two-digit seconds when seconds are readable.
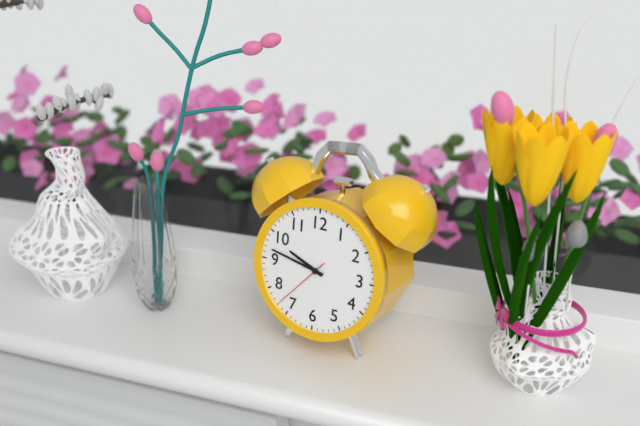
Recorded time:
9,47,37
